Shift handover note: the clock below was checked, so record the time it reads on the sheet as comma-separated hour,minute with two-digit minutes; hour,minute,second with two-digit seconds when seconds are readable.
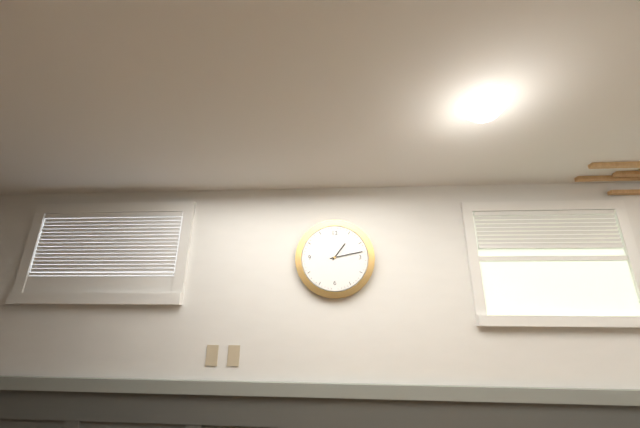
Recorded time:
1,13
